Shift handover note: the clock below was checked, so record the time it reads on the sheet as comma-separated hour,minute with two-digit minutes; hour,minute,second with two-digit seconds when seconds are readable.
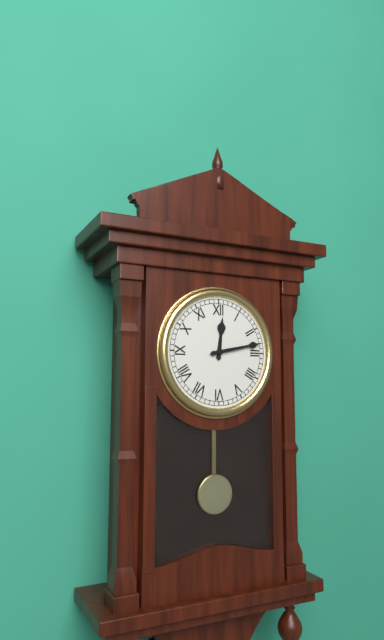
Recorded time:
12,13
